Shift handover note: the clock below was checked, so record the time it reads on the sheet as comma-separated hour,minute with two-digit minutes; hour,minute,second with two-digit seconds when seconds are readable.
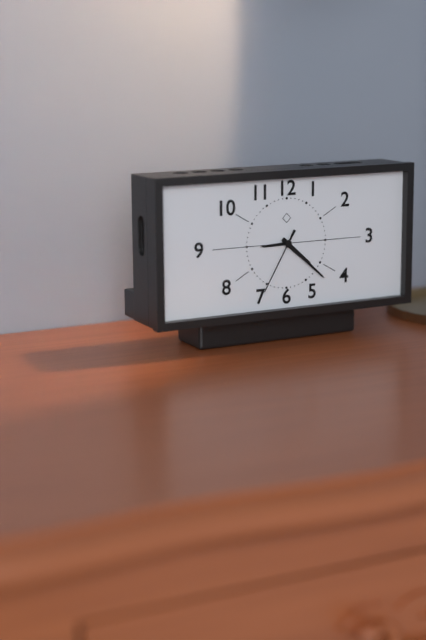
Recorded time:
4,22,35
